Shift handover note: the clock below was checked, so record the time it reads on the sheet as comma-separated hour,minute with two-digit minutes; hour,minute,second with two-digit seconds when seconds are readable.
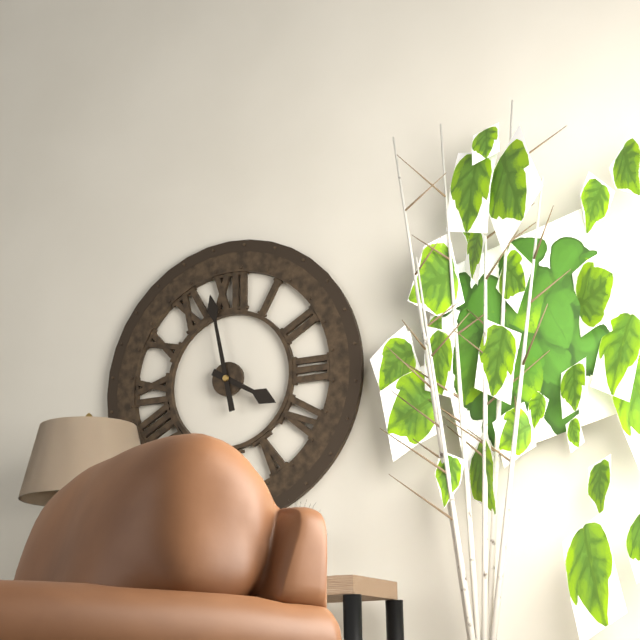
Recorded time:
3,58
